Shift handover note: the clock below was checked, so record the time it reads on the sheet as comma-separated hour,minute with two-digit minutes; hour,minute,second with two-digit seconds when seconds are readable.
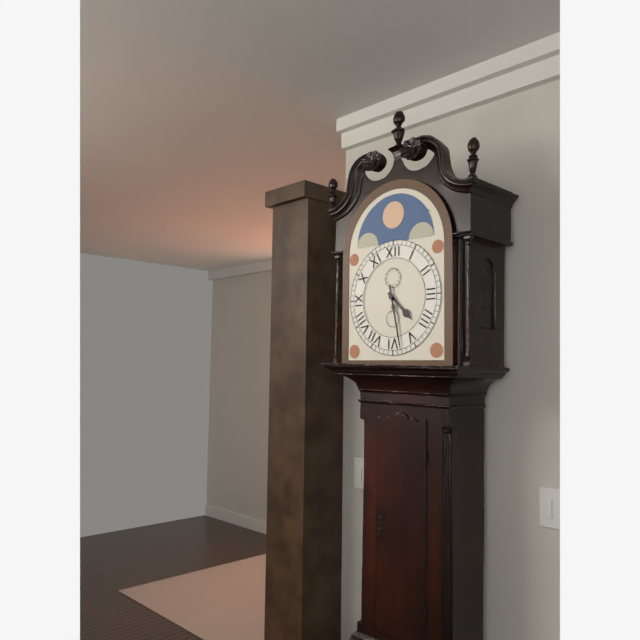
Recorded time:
4,28
